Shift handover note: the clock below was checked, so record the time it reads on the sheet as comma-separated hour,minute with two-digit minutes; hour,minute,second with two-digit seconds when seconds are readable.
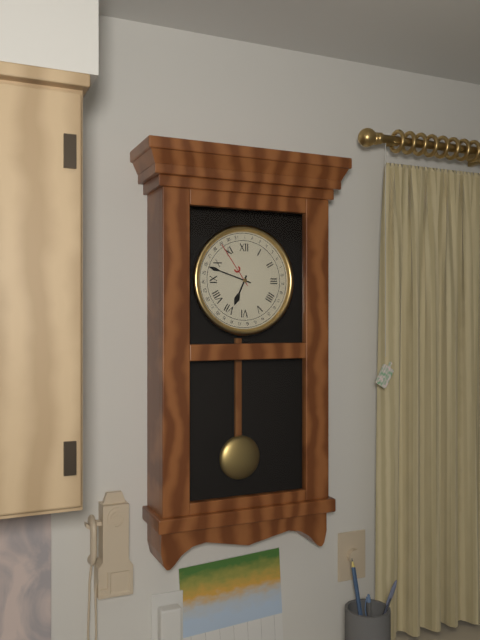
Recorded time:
6,48
